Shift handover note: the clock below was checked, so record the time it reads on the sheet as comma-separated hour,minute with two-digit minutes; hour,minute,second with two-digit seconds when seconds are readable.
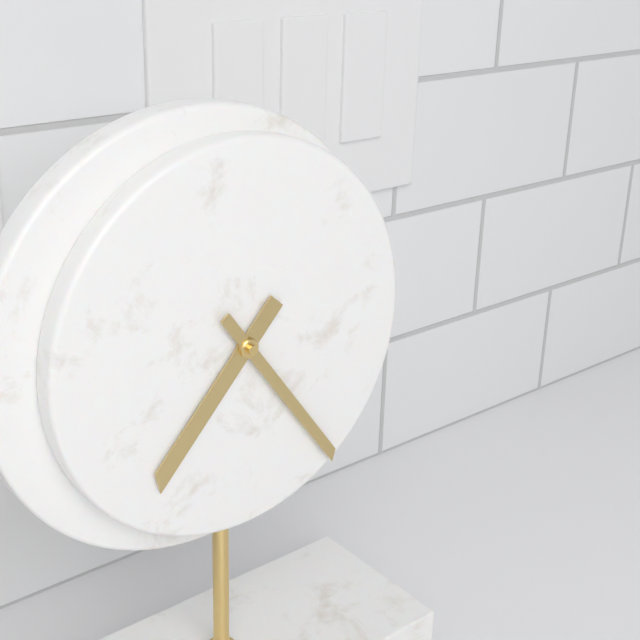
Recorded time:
7,24
